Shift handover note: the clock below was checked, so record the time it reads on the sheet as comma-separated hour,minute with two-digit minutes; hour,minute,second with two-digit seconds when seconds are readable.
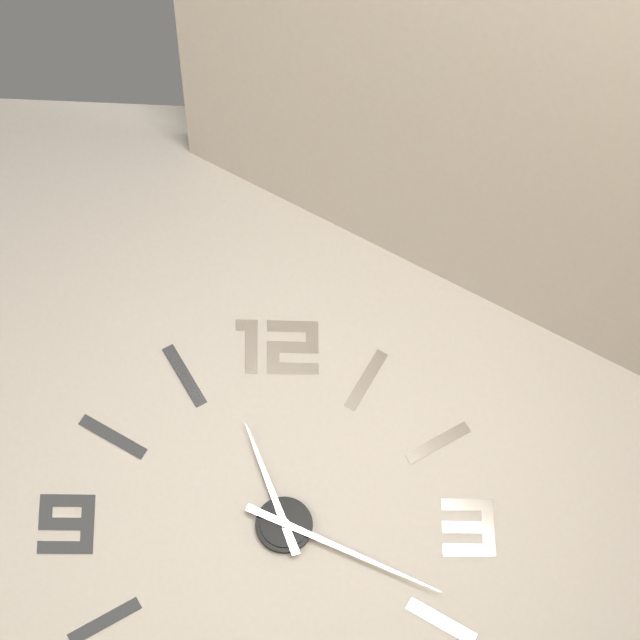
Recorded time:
11,19
